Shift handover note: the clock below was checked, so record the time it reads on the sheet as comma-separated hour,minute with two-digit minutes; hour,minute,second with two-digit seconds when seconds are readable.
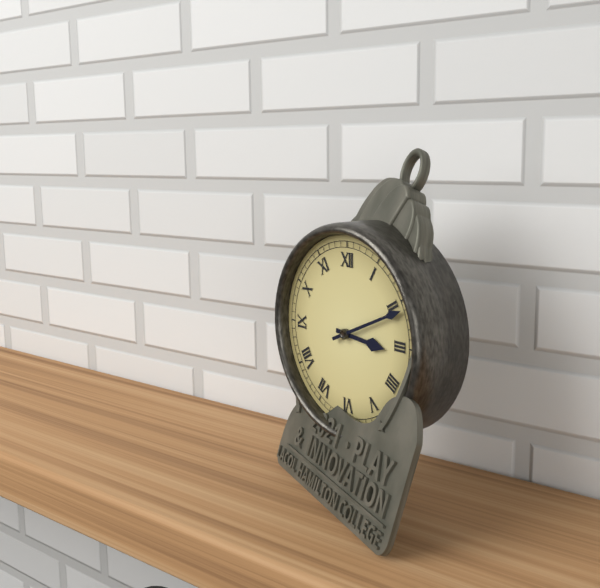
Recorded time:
3,11
